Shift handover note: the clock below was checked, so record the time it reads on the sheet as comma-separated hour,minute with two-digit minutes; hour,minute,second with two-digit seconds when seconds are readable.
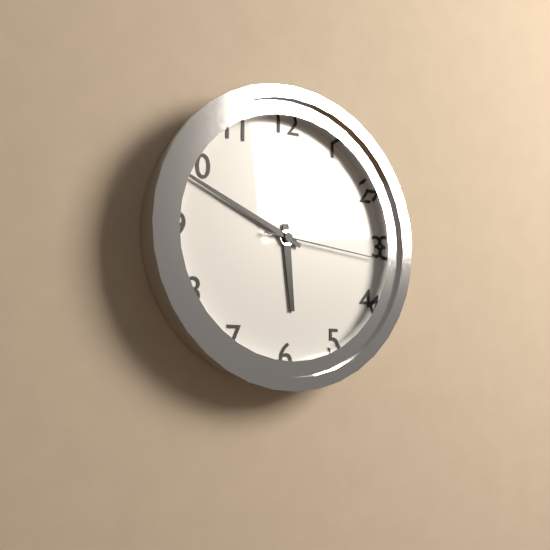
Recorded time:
5,49,16
